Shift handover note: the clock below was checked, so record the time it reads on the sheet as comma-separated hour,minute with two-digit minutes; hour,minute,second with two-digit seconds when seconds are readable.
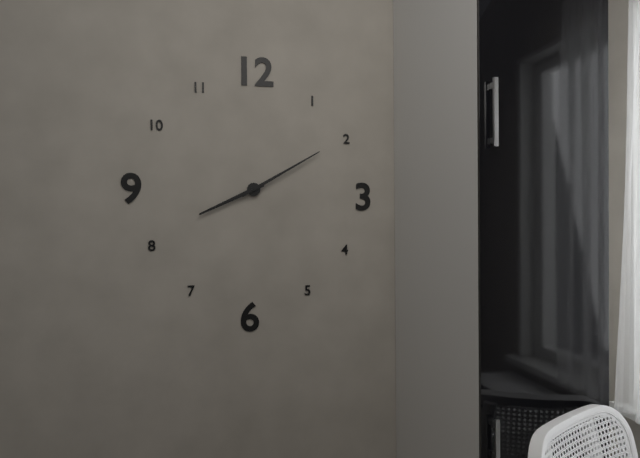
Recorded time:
8,10
